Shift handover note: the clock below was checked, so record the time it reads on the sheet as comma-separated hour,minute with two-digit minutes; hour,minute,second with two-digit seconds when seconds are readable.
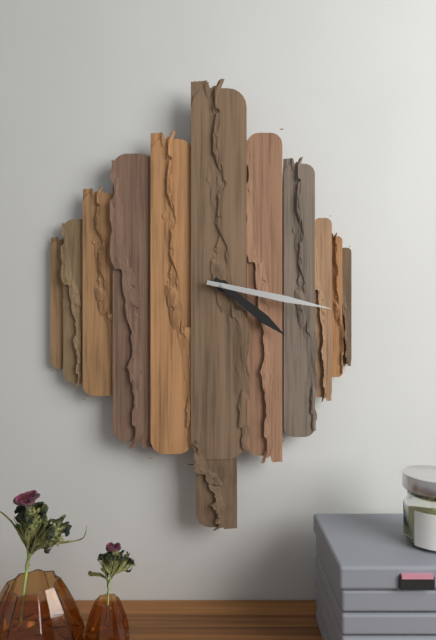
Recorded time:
4,17
